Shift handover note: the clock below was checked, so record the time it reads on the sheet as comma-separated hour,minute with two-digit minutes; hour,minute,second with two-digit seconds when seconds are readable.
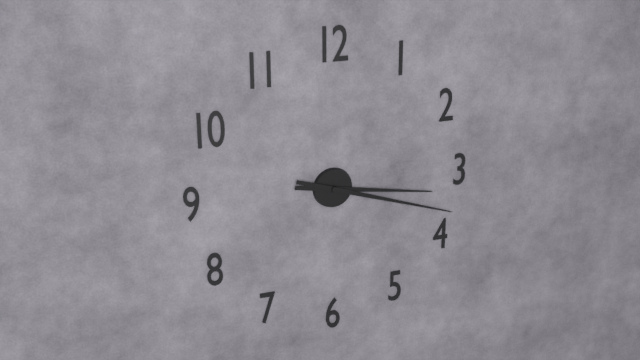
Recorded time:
3,18
